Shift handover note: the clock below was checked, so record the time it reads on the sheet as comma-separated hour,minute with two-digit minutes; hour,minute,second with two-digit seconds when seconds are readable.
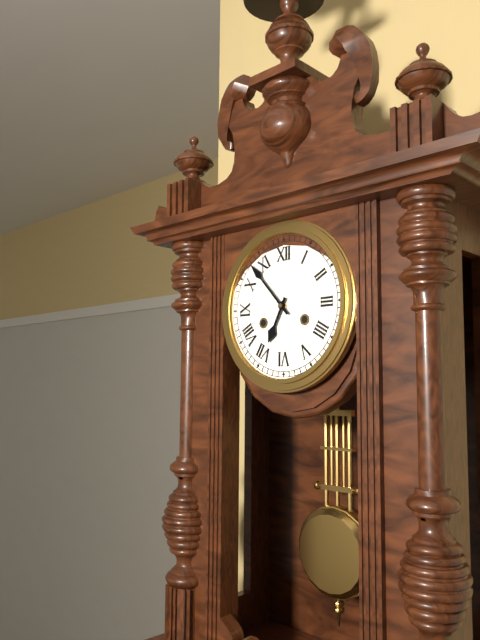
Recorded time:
6,53
